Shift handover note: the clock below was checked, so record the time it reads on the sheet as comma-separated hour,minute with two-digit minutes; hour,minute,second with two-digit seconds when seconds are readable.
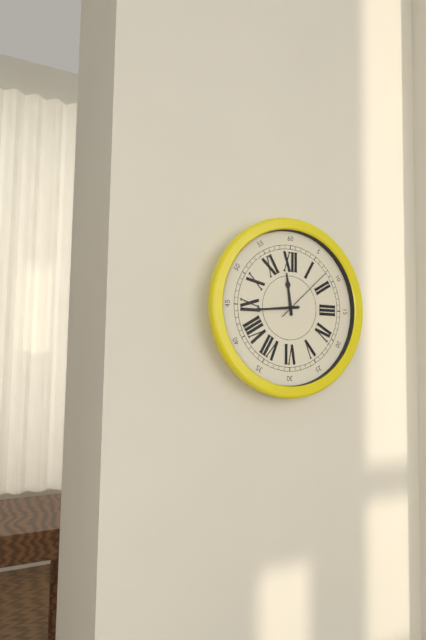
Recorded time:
11,44,08
